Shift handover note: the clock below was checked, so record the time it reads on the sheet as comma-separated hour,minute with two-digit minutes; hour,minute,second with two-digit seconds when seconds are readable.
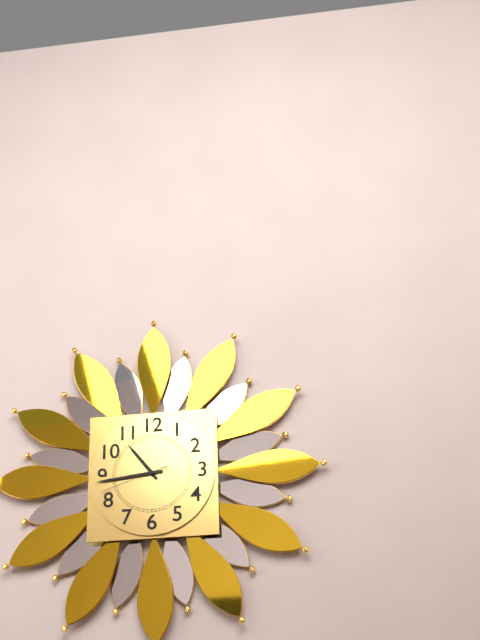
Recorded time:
10,44,42
